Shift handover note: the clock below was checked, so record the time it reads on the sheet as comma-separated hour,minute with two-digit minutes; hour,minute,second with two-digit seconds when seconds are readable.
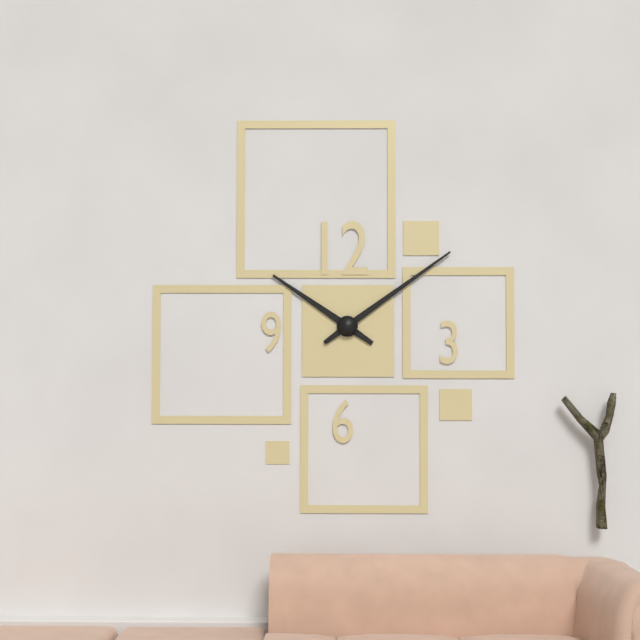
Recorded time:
10,09
